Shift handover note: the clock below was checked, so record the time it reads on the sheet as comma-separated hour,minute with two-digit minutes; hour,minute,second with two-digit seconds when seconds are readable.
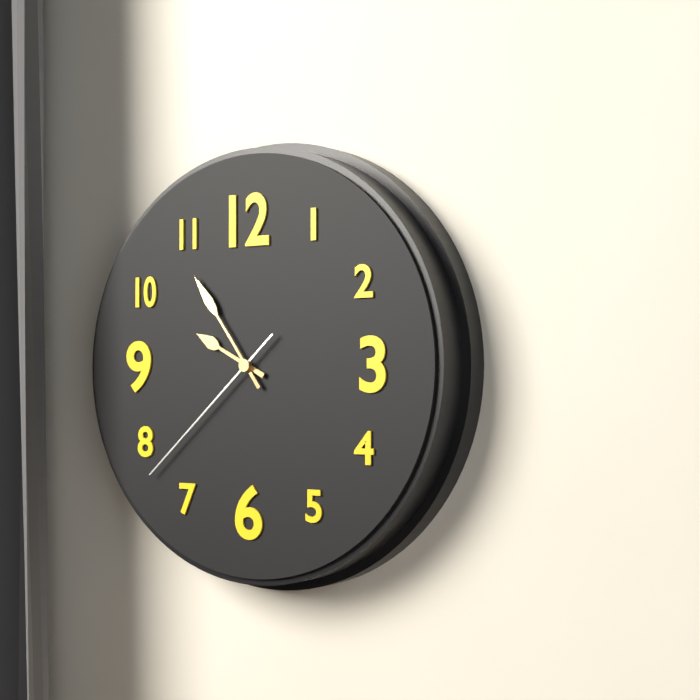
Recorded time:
9,54,38
